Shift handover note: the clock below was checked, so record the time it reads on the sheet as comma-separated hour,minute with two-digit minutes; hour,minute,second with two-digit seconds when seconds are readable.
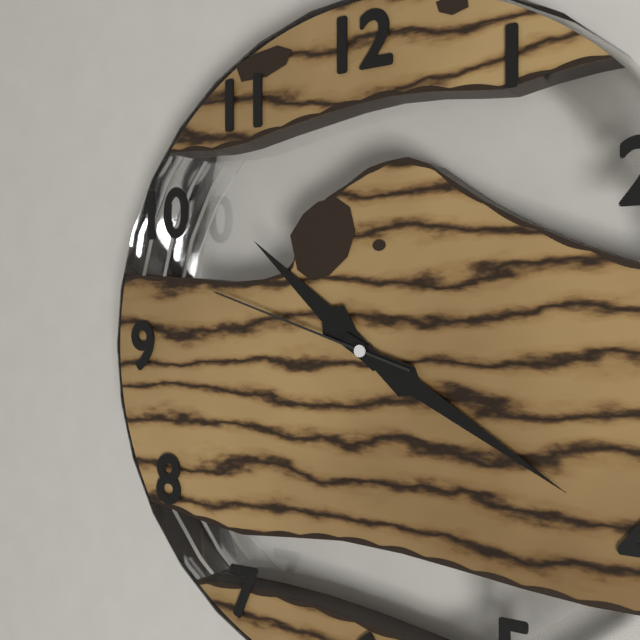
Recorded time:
10,20,48
